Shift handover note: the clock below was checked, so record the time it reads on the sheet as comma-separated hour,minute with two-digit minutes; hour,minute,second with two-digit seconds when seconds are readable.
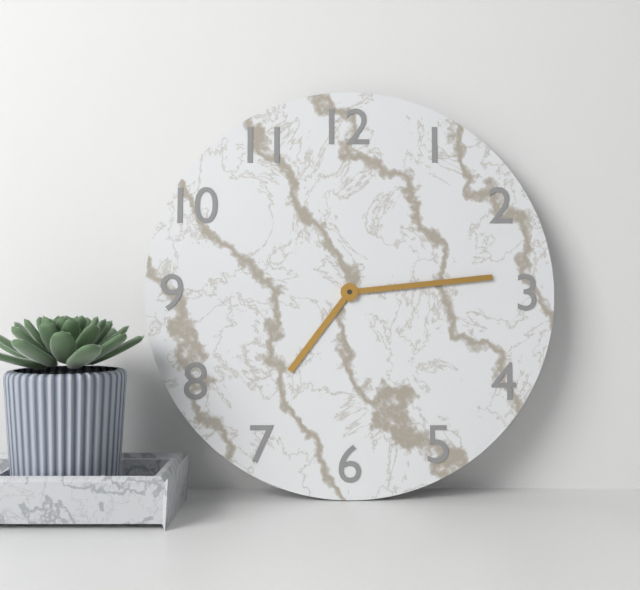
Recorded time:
7,14
